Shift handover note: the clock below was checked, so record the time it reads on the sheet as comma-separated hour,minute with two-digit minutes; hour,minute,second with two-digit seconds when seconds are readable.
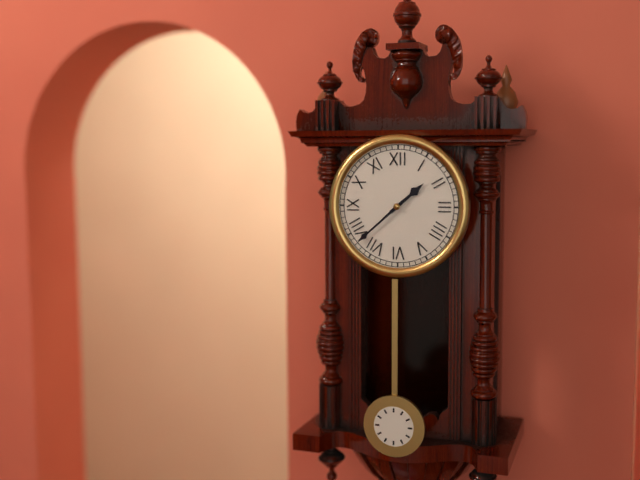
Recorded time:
1,38
